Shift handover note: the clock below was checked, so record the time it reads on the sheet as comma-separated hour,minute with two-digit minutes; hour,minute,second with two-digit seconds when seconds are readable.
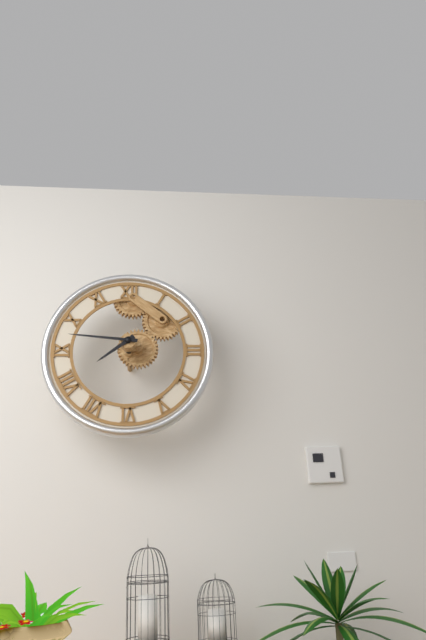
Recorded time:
7,46
